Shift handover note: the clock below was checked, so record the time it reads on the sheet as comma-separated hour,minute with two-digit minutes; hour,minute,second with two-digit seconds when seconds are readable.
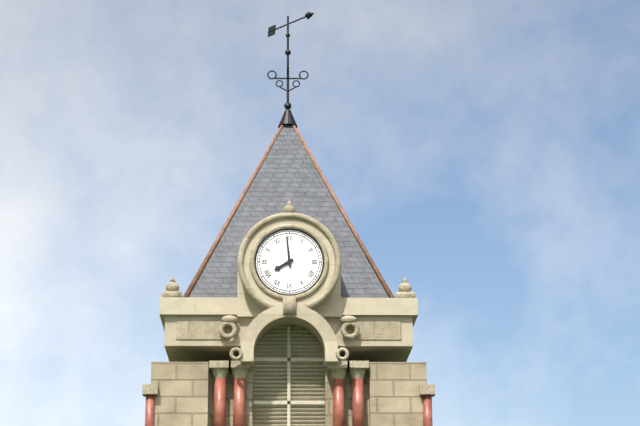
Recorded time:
7,59
